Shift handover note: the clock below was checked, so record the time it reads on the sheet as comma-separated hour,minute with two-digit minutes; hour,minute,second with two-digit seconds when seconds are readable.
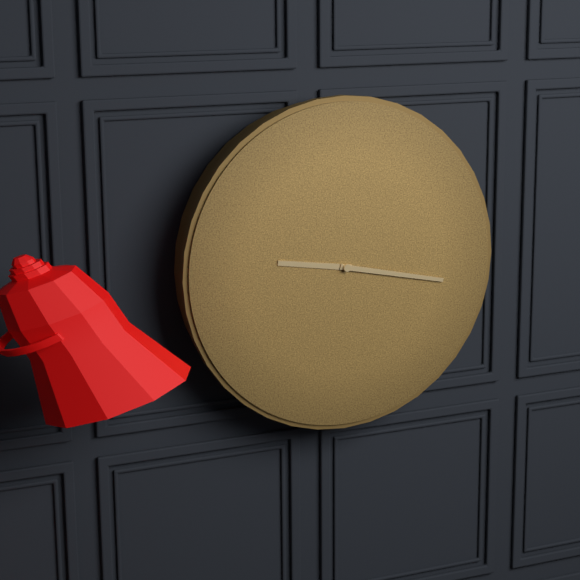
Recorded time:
9,17
